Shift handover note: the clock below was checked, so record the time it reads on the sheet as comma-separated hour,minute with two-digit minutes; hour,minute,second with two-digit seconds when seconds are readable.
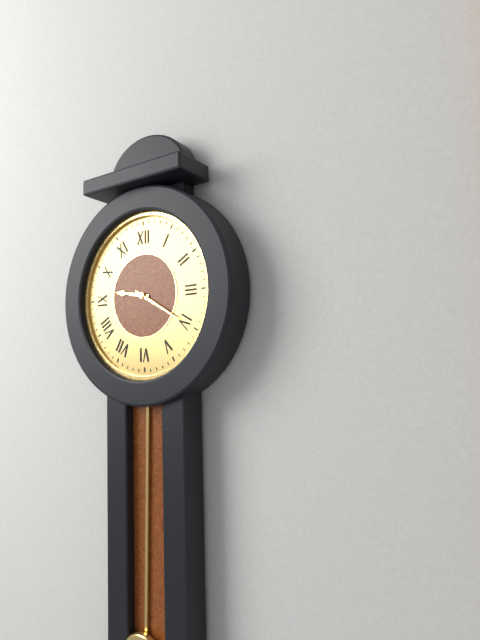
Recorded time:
9,20
